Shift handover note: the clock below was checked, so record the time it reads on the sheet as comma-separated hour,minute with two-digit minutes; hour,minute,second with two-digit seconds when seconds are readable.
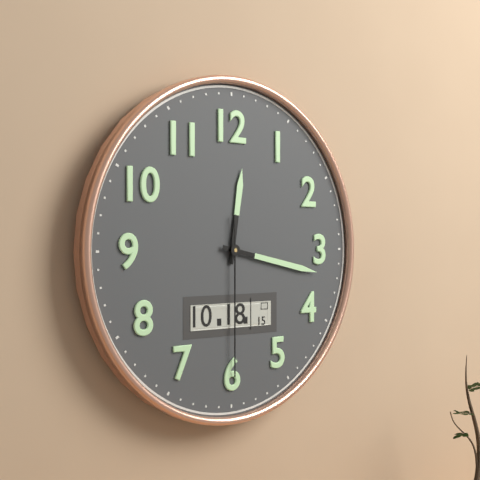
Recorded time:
12,17,30
